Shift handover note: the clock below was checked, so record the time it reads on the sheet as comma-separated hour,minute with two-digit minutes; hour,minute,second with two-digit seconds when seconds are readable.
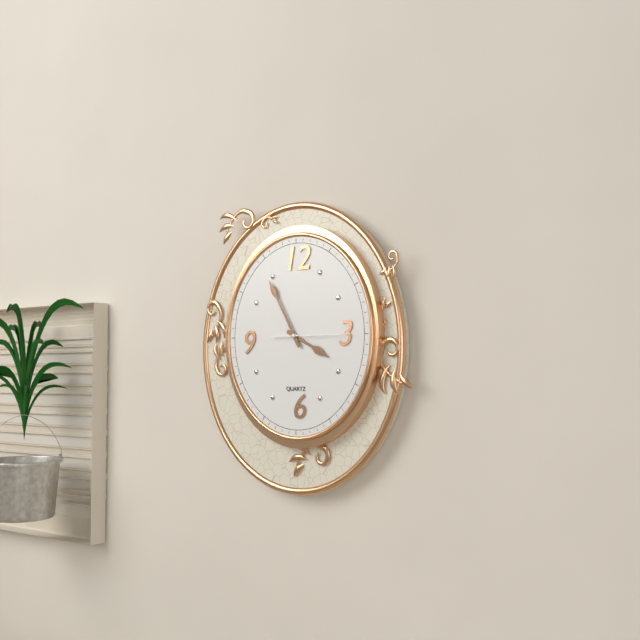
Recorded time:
3,55,15
